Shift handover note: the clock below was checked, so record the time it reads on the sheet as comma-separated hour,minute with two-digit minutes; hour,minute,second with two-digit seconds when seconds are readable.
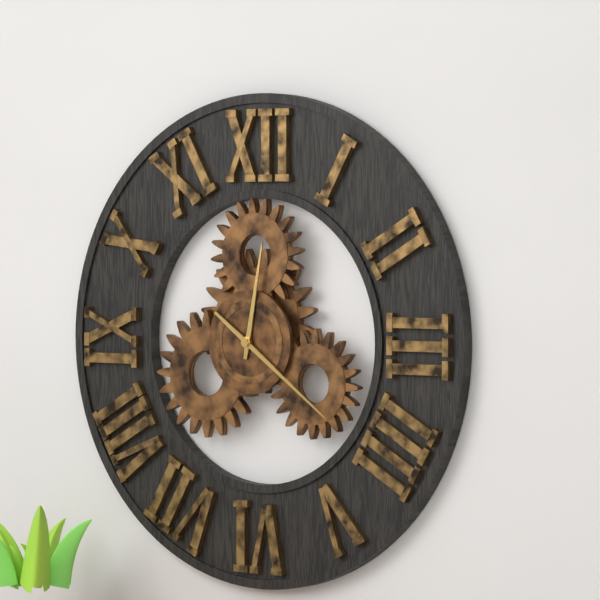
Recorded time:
12,21
